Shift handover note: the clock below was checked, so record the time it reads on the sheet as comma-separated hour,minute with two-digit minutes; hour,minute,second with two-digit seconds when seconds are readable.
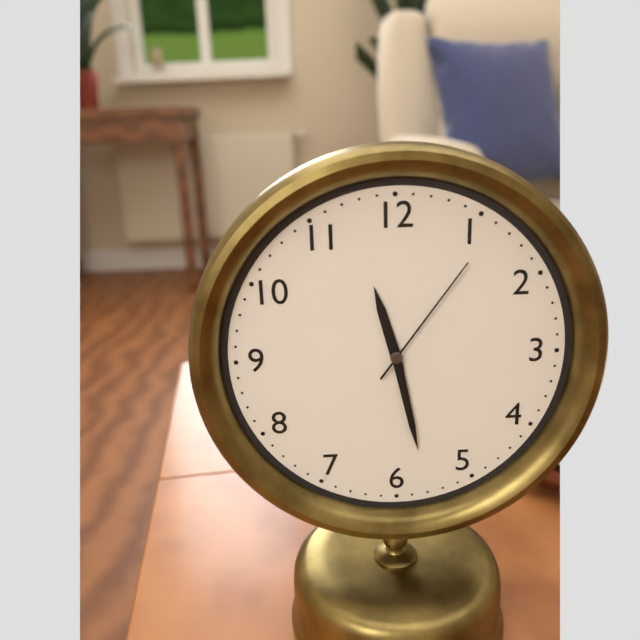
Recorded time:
11,28,06
